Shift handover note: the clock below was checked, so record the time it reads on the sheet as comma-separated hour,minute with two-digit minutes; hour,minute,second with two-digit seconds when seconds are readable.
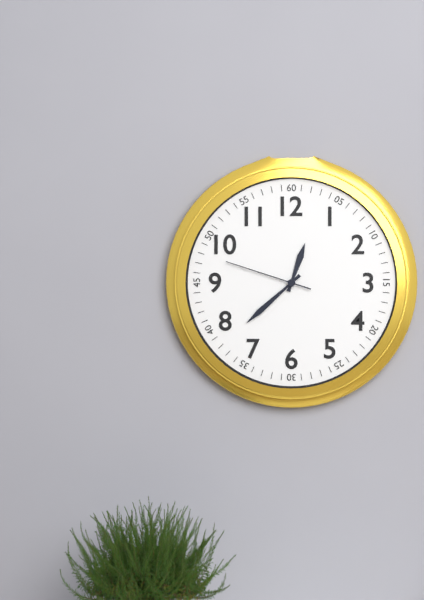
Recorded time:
12,38,48
